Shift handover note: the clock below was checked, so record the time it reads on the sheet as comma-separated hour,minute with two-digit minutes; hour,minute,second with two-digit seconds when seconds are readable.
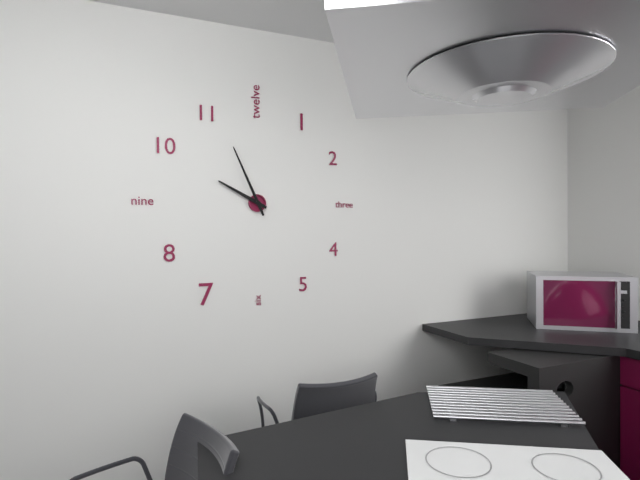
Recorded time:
9,56
